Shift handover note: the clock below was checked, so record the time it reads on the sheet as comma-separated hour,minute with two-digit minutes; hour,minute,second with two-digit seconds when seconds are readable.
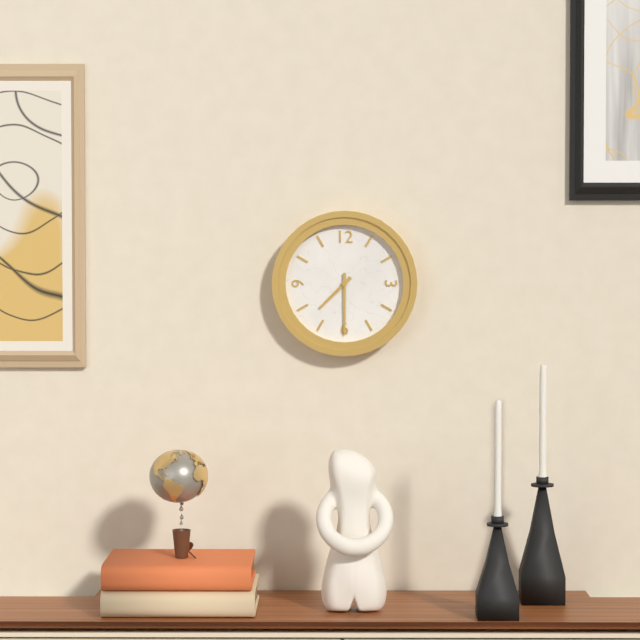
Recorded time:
7,30
